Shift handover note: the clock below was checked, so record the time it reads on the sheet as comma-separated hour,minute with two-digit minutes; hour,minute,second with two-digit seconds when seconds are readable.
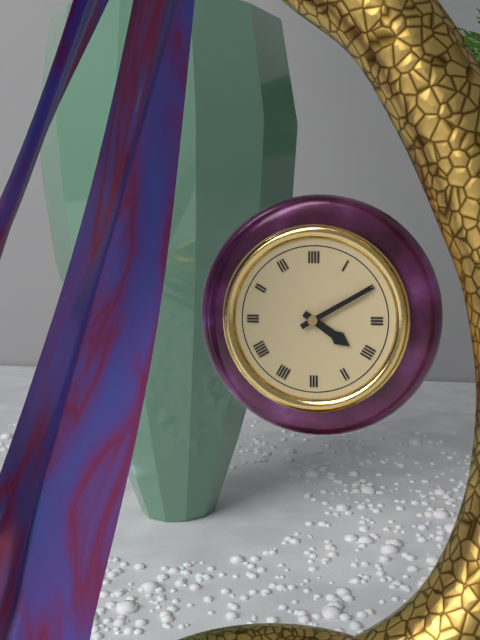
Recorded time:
4,10
